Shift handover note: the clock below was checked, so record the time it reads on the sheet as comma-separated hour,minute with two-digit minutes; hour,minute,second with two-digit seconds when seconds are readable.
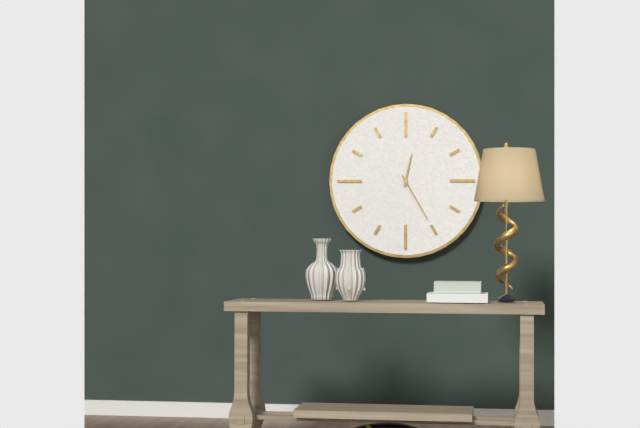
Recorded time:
12,25
